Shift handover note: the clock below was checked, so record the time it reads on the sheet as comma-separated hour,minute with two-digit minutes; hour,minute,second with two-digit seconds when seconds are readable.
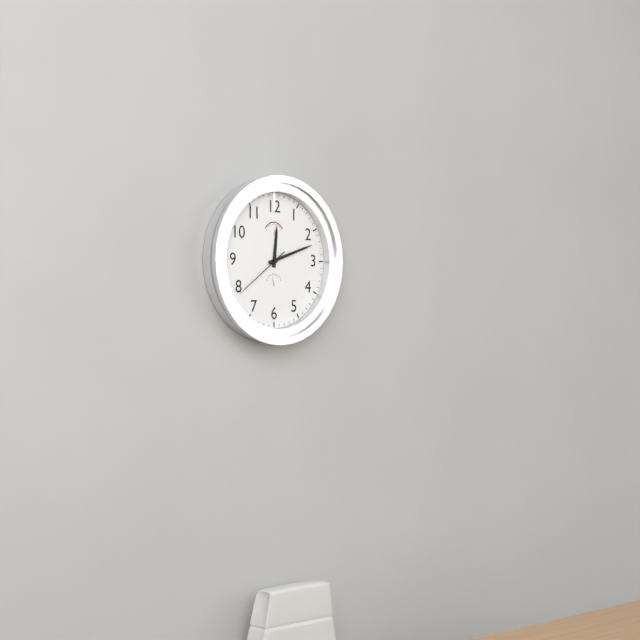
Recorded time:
12,12,39
